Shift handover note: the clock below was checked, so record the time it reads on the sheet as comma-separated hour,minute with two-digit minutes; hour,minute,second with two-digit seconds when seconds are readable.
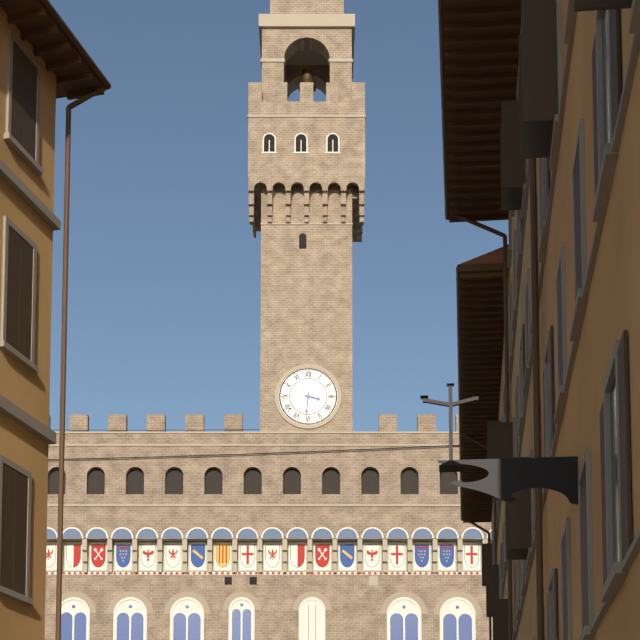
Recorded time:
3,31
